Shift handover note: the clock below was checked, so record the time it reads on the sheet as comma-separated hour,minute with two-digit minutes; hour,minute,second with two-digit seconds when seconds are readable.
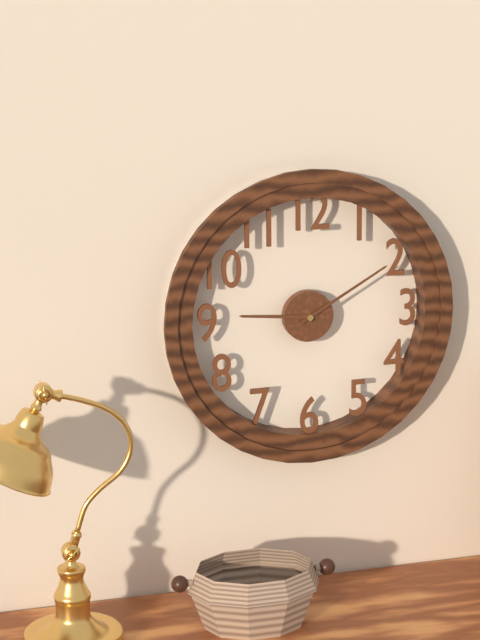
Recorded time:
9,10
